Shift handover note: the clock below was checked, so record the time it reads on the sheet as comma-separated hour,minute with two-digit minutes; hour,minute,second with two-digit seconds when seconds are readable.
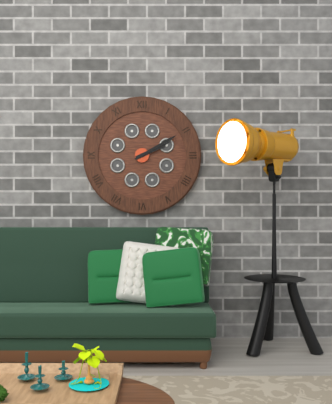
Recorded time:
2,10
